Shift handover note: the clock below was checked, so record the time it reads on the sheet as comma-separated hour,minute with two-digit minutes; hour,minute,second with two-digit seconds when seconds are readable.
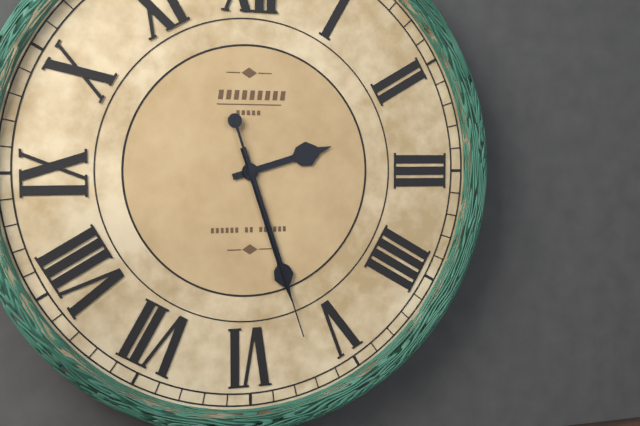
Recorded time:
2,27,27
